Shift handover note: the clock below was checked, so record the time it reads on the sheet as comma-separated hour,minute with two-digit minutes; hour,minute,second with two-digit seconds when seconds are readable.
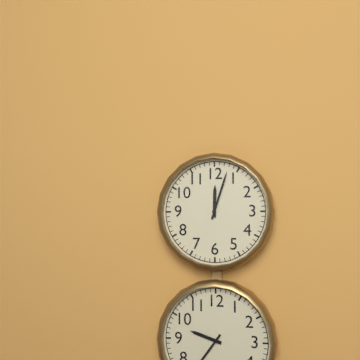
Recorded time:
12,03
